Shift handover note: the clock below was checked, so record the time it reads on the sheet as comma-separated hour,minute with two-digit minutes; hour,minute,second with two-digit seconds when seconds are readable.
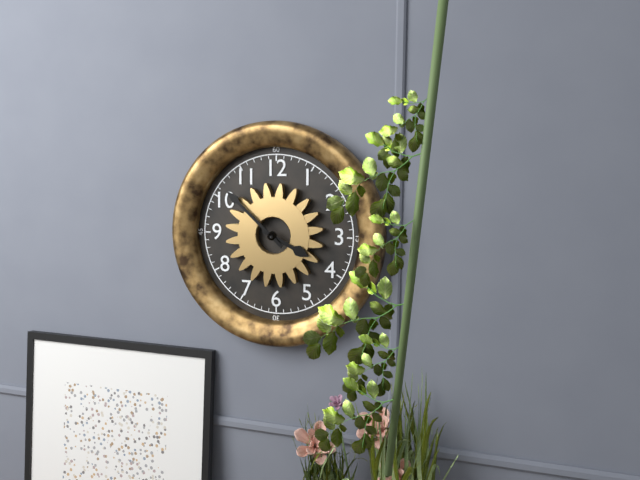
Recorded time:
3,52
